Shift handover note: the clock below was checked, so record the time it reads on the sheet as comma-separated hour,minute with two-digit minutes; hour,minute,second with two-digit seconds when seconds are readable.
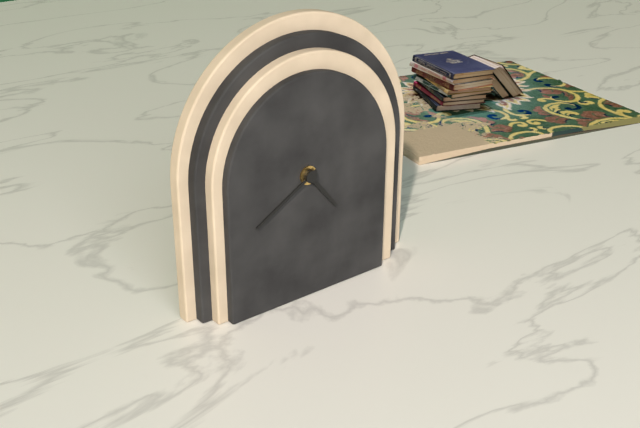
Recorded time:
4,40
